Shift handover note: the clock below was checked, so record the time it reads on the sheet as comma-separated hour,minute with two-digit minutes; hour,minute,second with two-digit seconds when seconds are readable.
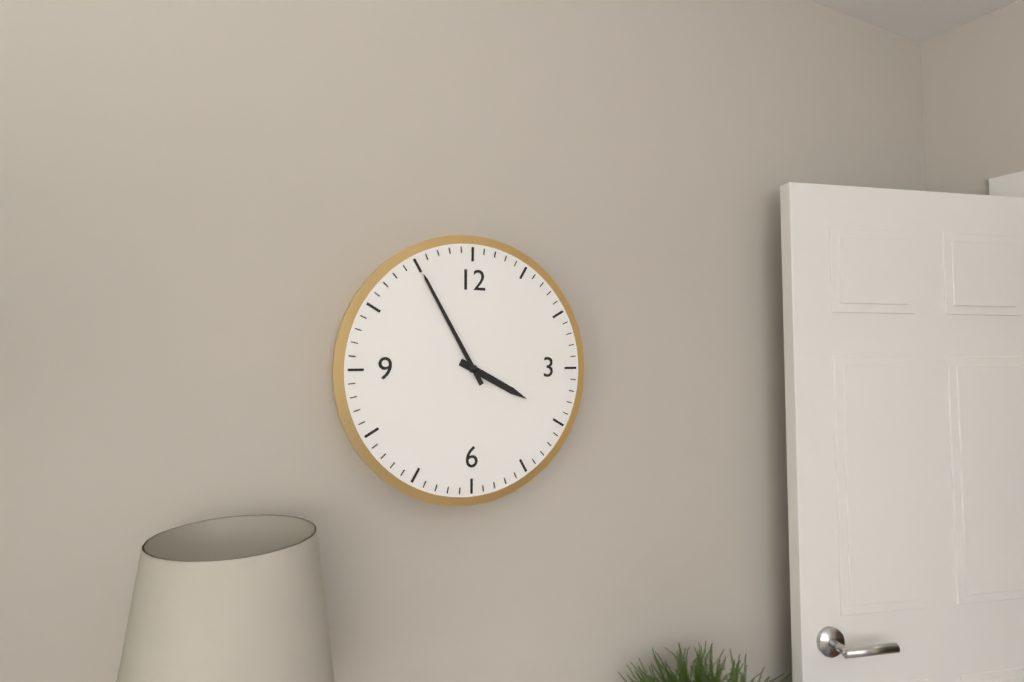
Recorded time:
3,55
